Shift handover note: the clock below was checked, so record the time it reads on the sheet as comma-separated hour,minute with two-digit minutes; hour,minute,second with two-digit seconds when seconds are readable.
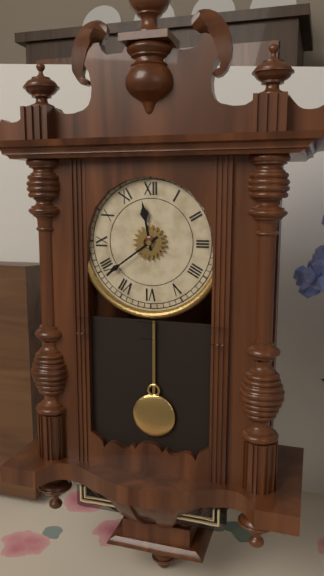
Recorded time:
11,39
